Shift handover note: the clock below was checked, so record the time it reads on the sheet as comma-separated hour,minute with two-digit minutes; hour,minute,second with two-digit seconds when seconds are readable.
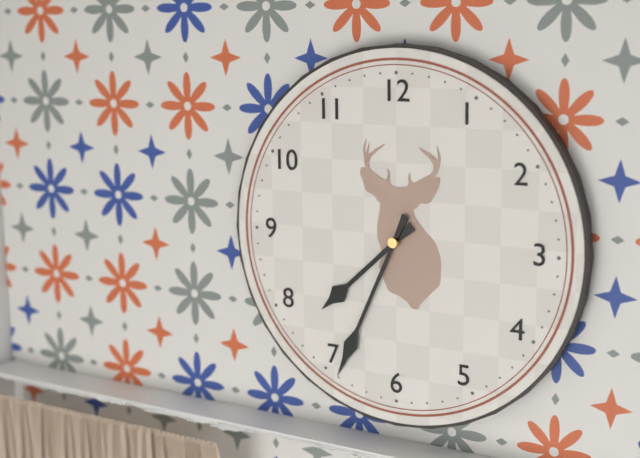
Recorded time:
7,34
